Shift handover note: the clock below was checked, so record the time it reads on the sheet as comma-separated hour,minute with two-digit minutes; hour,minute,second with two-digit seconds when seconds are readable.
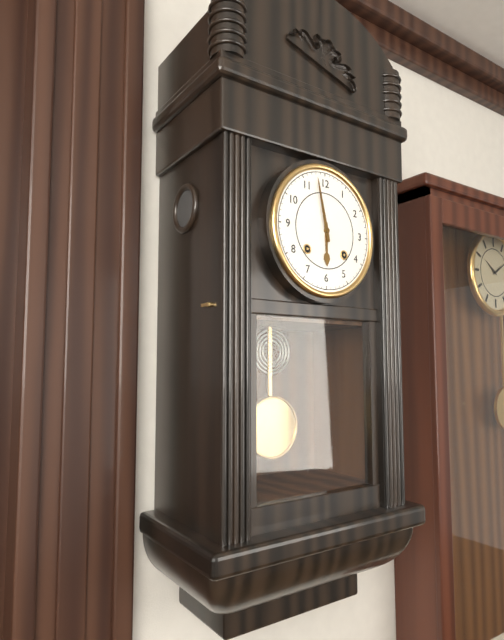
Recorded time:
5,58
